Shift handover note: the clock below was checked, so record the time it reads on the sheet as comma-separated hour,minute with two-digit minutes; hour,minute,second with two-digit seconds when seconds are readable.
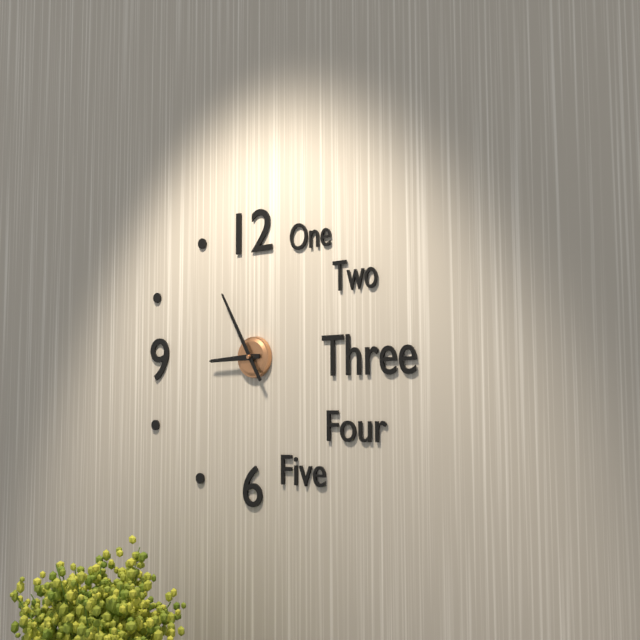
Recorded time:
8,55
